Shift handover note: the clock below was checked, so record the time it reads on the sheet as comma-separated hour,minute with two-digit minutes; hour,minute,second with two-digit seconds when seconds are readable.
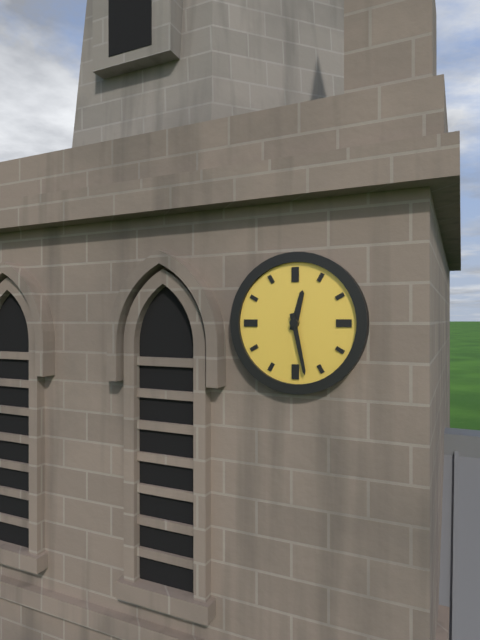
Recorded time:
12,28
